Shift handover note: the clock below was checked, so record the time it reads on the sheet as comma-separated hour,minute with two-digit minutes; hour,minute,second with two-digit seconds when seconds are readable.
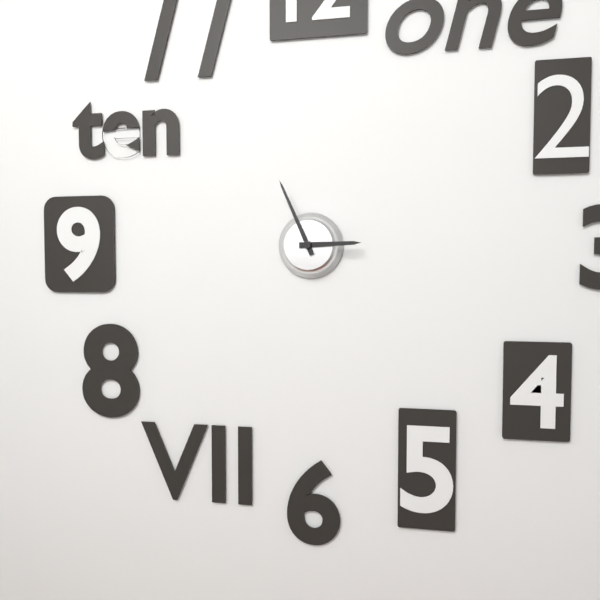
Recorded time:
2,56
